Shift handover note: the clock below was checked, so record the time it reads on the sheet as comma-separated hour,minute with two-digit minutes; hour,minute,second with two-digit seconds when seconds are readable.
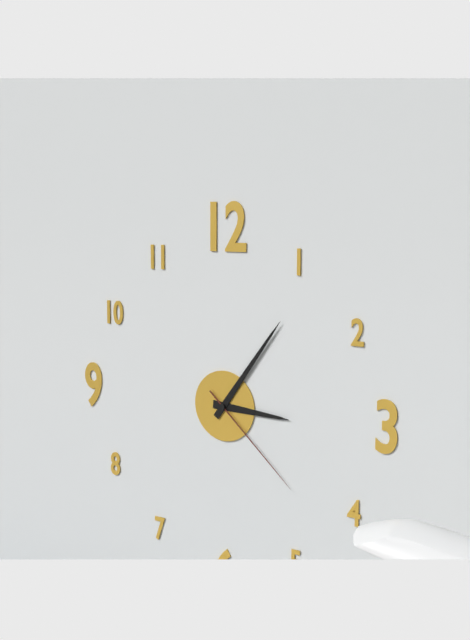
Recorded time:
3,06,22
